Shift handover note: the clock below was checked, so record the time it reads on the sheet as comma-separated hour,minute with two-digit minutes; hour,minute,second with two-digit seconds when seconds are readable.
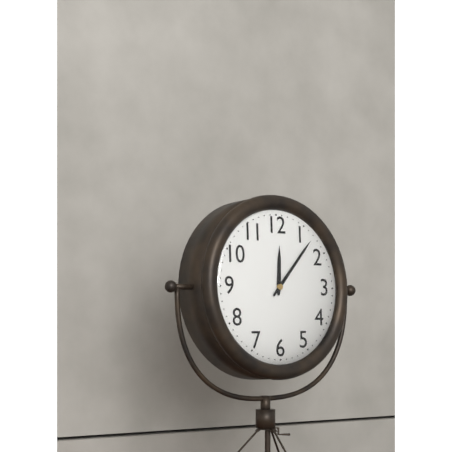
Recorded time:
12,07
